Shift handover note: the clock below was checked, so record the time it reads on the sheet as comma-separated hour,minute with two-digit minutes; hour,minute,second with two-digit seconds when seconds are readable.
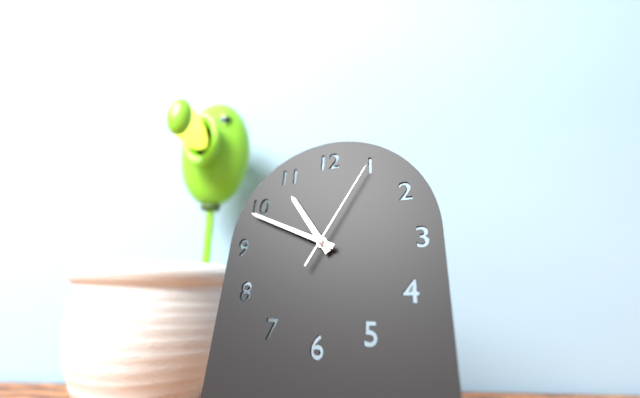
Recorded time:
10,49,05
